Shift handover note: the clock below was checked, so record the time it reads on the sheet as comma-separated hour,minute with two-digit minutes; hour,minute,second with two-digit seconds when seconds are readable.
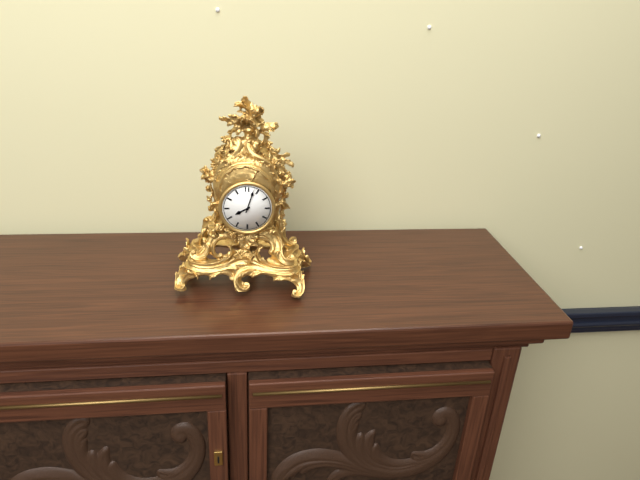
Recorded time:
8,03
